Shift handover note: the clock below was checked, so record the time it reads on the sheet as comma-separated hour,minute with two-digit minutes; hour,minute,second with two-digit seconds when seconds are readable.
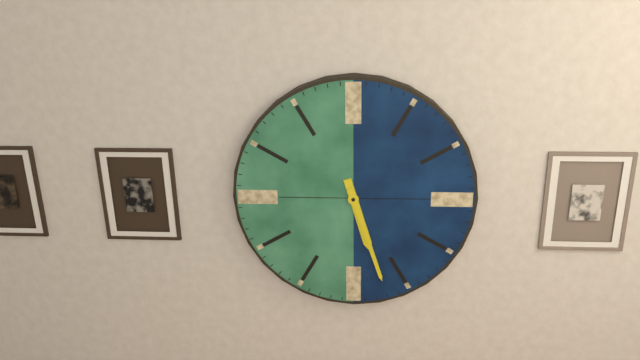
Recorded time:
5,27
